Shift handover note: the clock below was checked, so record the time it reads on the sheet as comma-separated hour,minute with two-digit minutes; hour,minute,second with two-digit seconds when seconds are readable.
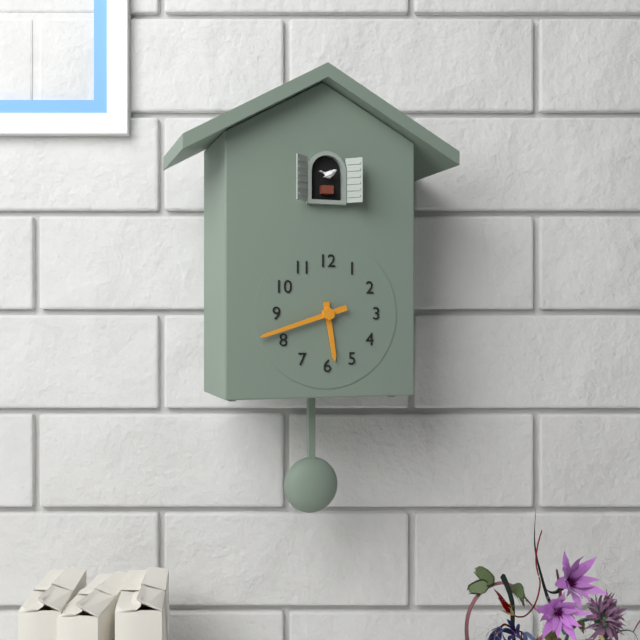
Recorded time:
5,42
